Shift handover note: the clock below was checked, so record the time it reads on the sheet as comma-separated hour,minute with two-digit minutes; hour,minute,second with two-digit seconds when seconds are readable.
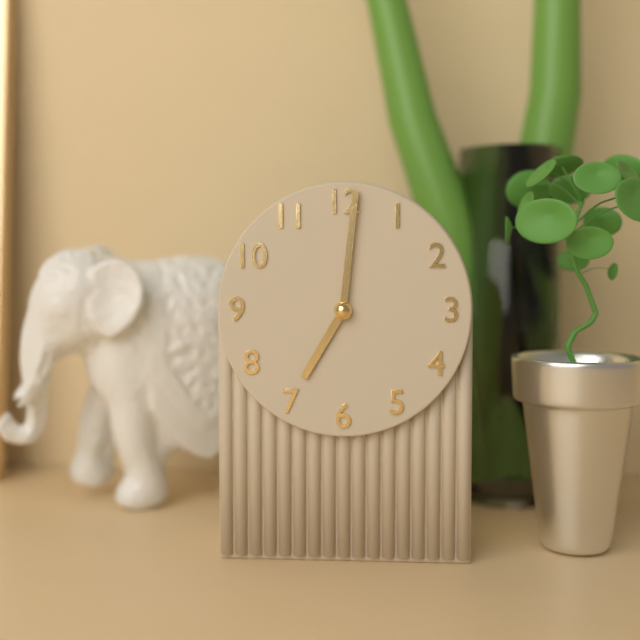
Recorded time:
7,01
